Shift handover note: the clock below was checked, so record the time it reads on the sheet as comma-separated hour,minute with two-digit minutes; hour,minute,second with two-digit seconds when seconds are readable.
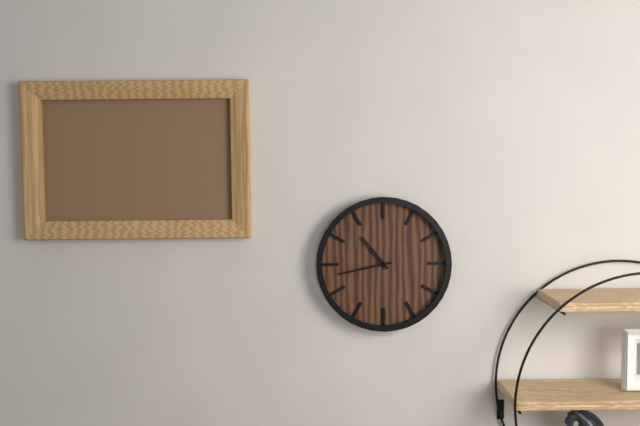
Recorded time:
10,43
